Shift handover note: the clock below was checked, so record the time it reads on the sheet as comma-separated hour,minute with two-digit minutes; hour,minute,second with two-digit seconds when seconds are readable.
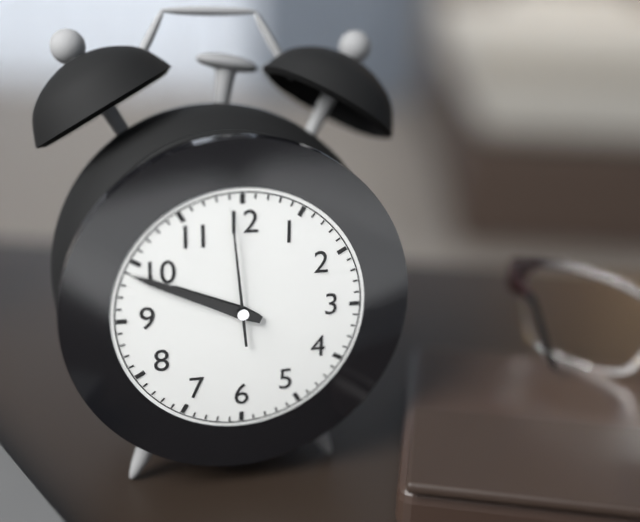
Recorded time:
9,49,59
